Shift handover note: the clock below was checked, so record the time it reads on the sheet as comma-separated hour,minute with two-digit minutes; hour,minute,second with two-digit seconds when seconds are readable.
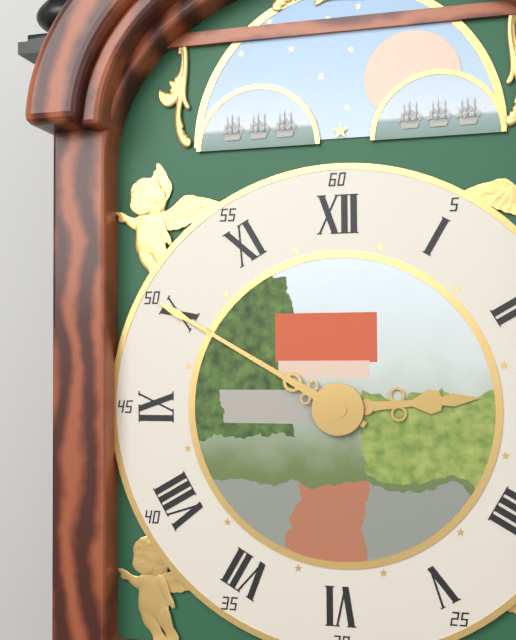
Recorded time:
2,50
